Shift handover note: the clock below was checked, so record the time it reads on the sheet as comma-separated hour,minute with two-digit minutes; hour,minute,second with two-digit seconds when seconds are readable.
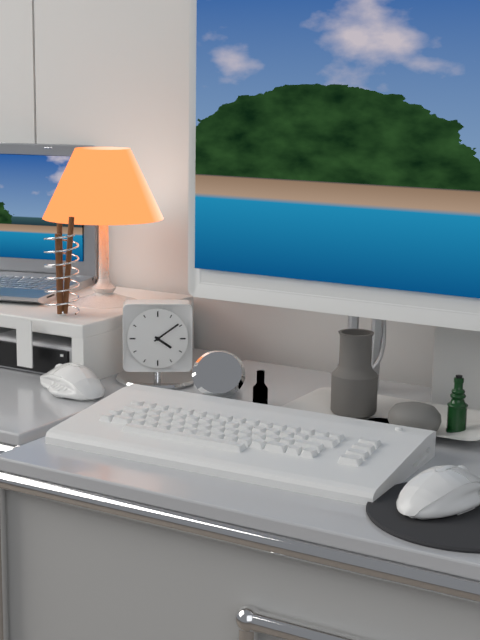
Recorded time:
4,09
